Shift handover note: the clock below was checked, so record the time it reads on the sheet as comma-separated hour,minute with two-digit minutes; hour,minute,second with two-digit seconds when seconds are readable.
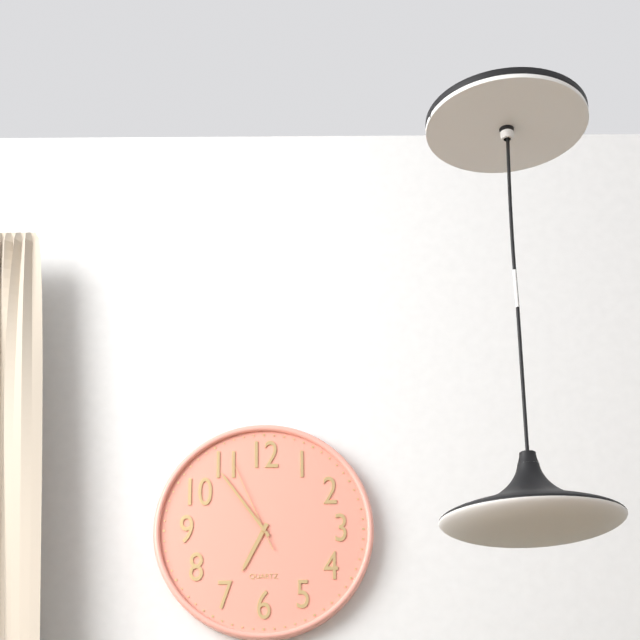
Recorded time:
6,54,56
